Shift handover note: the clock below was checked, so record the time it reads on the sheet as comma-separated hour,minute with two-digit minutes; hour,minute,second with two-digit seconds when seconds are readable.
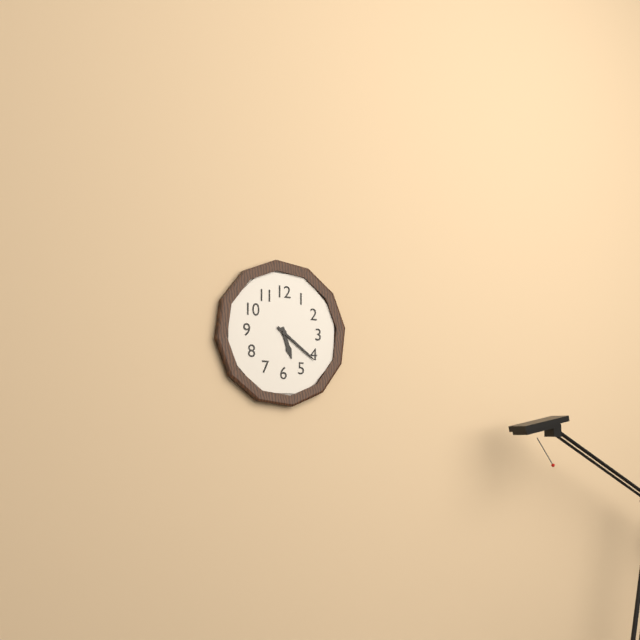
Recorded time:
5,21
